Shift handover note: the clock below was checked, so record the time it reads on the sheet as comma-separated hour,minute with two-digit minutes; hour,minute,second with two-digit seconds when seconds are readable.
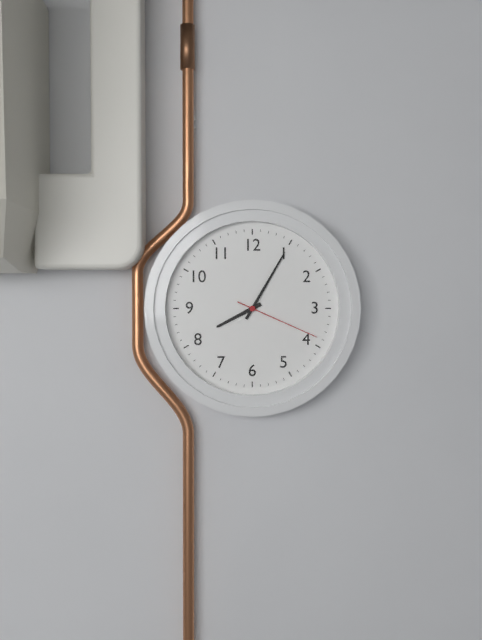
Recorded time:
8,05,19
